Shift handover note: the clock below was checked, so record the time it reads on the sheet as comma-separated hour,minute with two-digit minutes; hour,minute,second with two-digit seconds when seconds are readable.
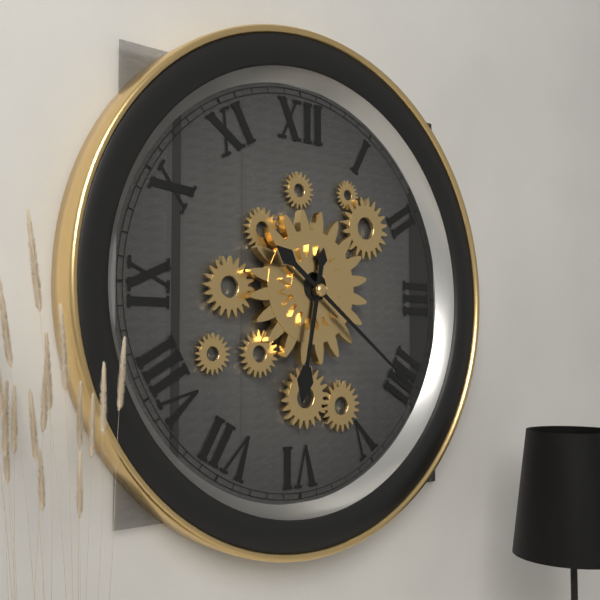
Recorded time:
6,21
